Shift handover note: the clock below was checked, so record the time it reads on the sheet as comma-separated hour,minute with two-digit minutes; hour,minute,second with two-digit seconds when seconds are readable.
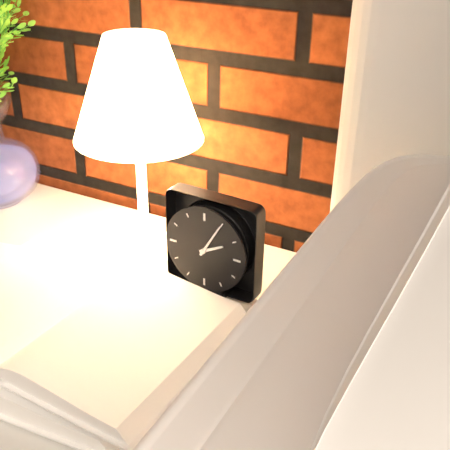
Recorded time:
2,05
